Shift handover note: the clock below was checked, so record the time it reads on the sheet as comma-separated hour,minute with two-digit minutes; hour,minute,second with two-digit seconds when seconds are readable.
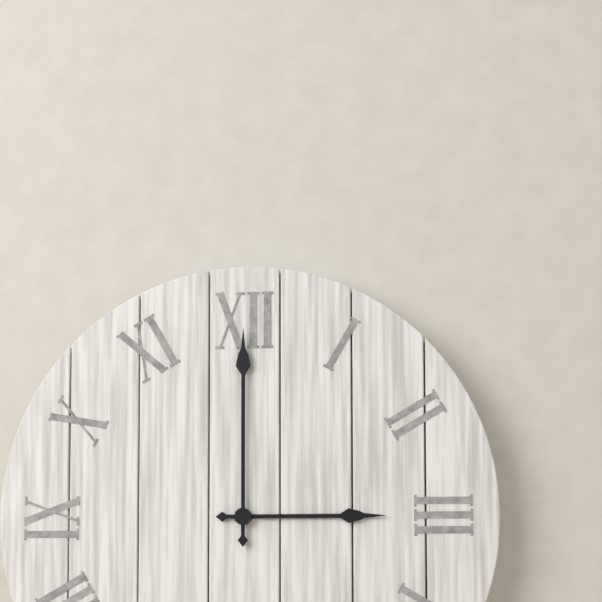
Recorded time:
3,00
